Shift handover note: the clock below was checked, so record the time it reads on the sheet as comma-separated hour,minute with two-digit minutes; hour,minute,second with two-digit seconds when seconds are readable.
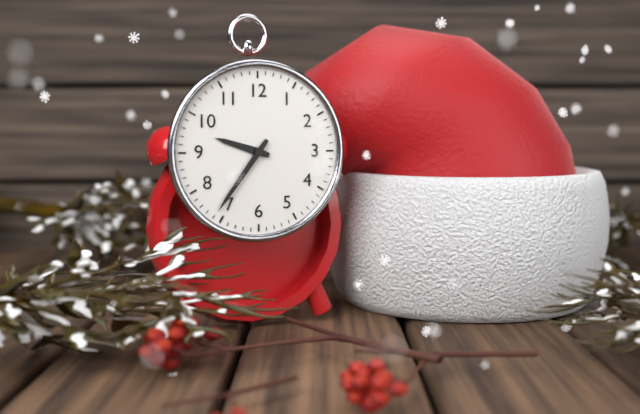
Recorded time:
9,36
